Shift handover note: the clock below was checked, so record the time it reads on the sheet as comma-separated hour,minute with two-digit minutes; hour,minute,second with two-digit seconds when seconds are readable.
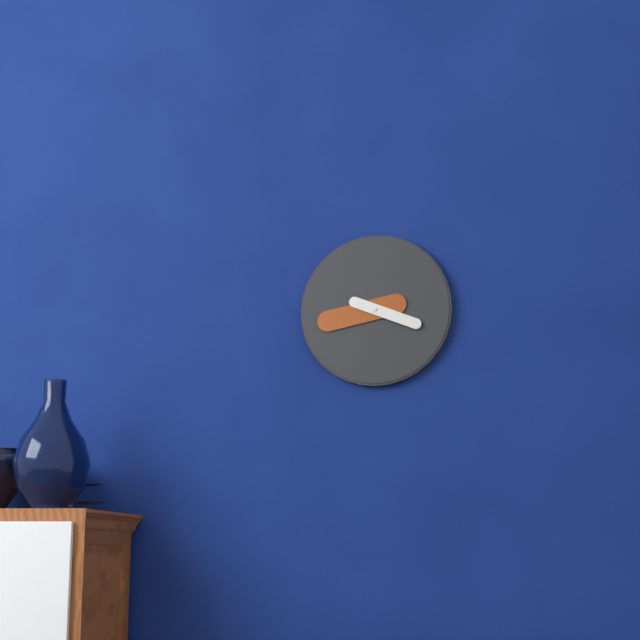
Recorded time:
3,43
